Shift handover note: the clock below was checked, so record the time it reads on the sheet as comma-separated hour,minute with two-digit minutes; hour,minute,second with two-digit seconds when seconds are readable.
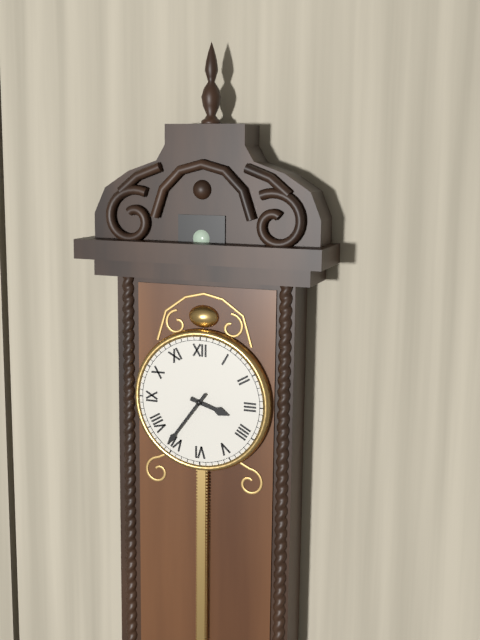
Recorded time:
3,36
